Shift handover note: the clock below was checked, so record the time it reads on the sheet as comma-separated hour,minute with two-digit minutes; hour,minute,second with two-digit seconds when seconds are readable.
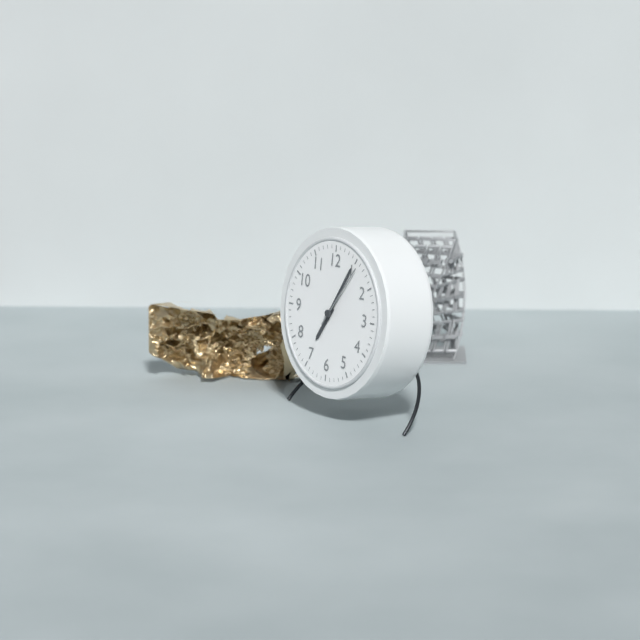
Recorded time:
7,05,06
